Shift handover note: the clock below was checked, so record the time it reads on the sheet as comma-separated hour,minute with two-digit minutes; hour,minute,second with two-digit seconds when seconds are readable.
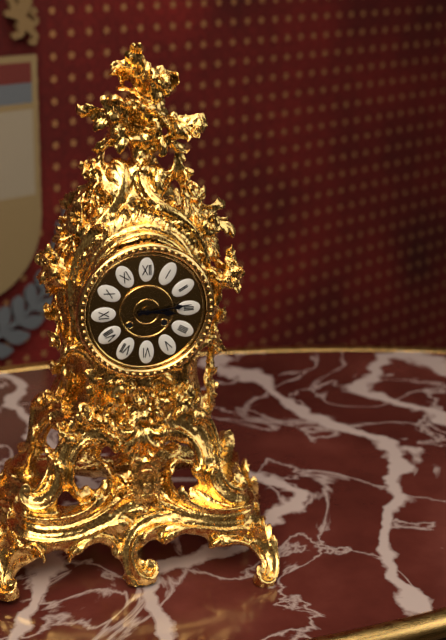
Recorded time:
3,14
